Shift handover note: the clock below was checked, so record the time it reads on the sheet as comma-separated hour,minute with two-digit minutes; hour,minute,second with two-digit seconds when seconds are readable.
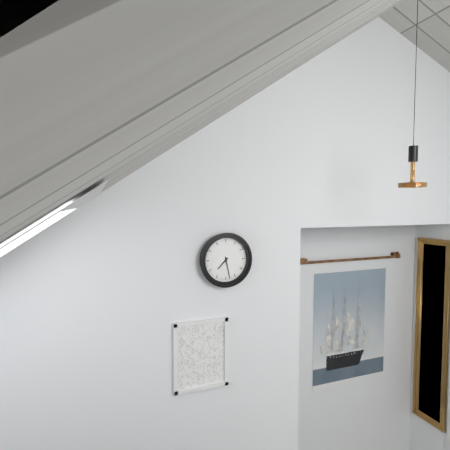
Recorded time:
7,28
